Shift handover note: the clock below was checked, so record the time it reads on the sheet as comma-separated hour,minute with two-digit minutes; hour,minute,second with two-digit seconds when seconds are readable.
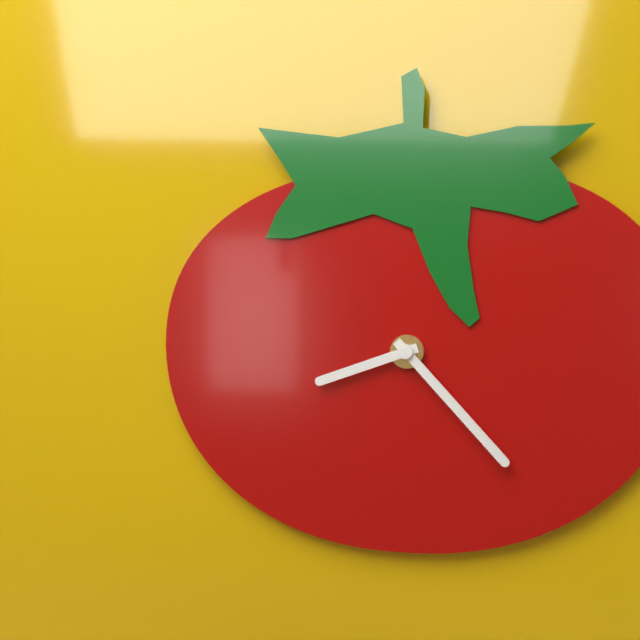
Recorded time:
8,23
